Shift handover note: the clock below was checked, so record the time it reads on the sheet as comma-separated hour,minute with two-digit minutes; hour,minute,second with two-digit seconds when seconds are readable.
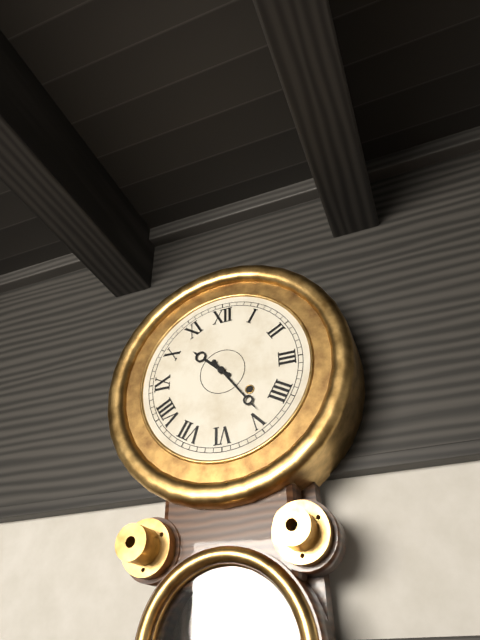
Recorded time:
10,24
